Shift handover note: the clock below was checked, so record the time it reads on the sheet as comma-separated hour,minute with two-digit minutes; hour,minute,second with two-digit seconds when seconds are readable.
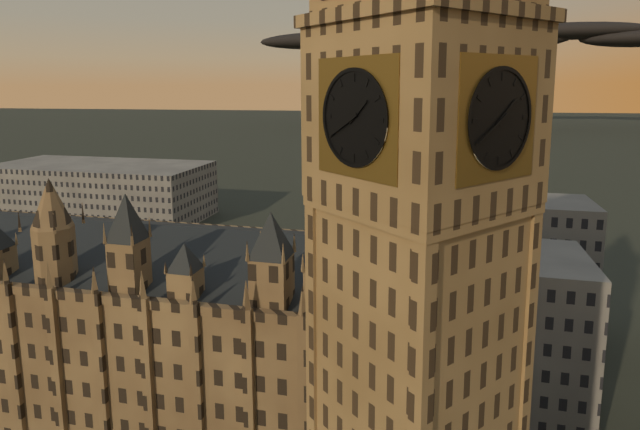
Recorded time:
1,40
